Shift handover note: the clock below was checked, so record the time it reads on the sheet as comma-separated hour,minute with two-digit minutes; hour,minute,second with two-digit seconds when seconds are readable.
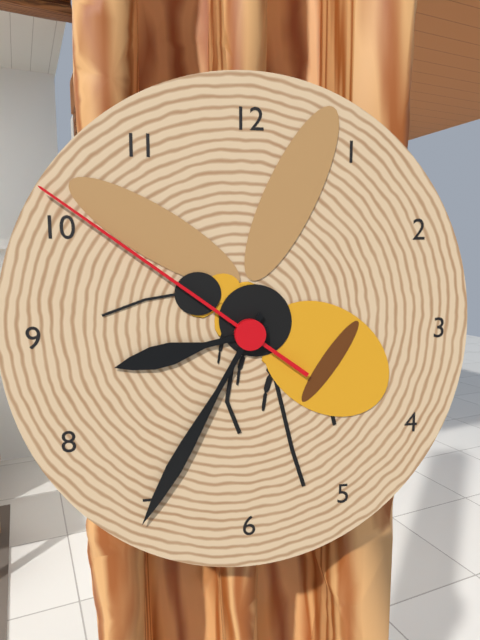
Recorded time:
8,35,51
